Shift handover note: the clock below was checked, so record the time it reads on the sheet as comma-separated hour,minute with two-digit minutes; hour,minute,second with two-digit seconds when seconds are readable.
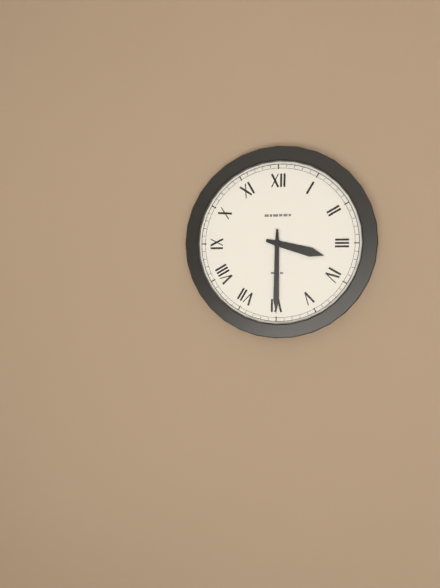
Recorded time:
3,30
